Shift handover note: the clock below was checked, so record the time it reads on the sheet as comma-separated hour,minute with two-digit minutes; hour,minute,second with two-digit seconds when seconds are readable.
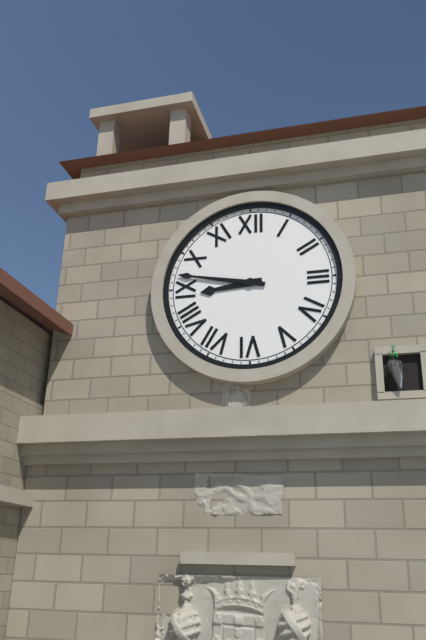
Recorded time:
8,47
